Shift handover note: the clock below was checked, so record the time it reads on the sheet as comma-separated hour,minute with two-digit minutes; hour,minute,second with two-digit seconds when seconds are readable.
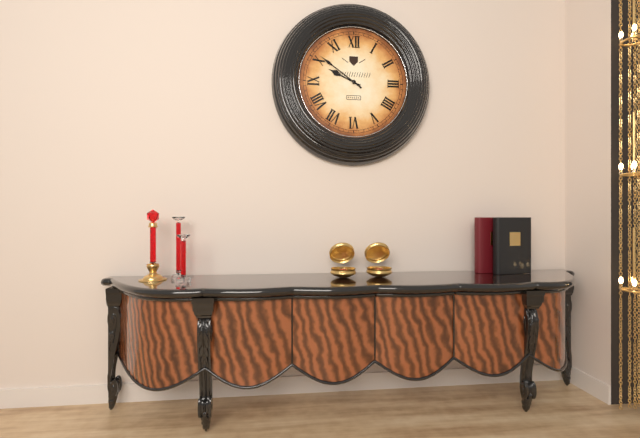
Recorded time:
9,51
